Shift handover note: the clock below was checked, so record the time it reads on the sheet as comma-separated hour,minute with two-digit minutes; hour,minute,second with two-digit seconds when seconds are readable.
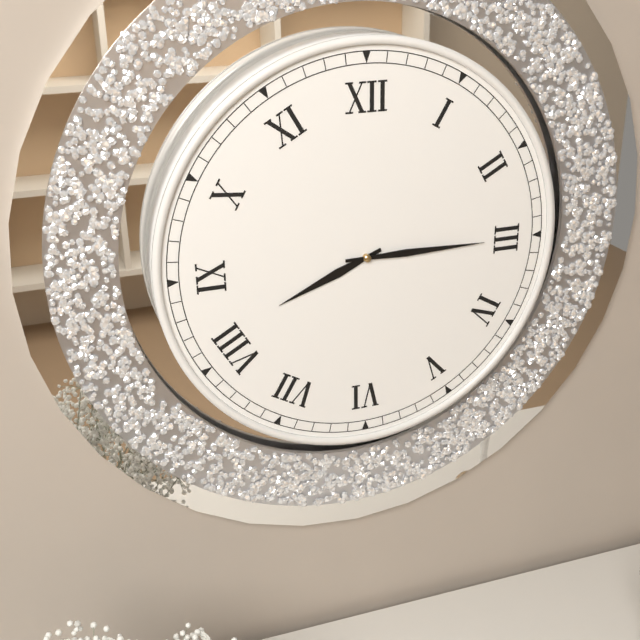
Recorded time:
8,15
